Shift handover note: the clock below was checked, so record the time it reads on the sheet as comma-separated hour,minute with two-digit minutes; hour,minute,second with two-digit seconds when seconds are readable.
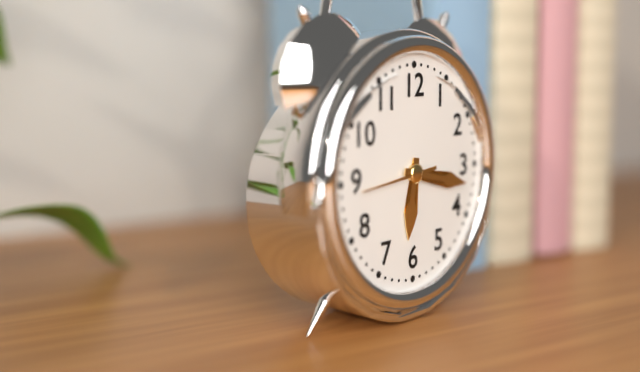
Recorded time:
6,17
